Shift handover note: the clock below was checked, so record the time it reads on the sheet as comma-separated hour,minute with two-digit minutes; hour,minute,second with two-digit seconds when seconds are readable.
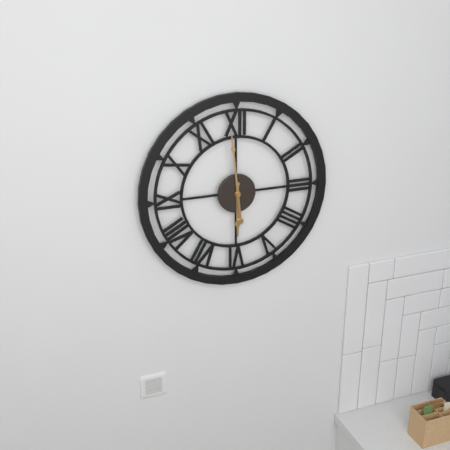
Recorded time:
5,59
